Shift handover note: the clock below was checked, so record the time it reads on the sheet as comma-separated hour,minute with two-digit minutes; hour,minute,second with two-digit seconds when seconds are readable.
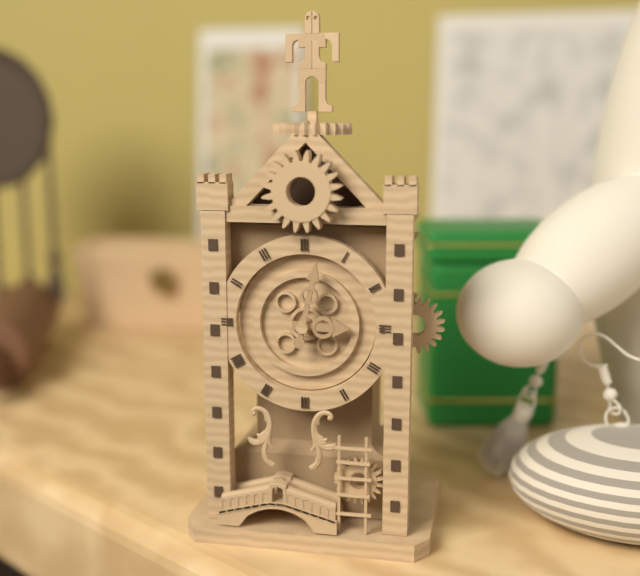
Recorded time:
3,02
